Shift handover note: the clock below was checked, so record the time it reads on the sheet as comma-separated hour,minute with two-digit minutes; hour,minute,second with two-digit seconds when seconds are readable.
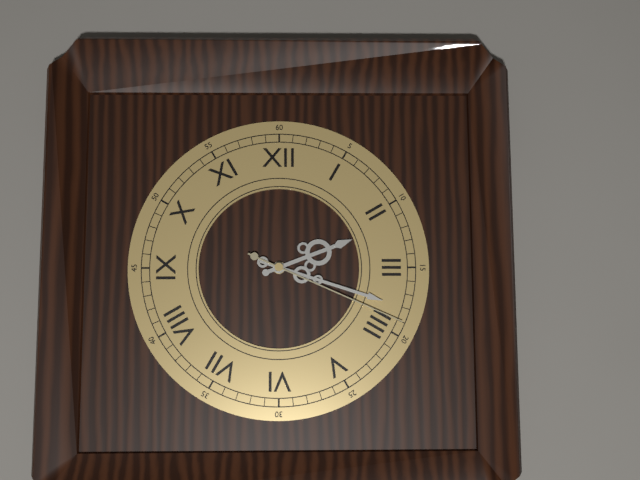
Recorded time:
2,18,19
